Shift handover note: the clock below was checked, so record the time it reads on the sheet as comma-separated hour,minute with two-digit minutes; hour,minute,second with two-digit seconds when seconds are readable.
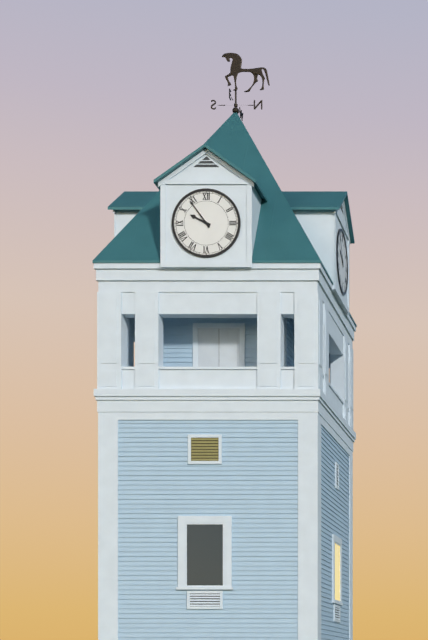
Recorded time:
9,54
